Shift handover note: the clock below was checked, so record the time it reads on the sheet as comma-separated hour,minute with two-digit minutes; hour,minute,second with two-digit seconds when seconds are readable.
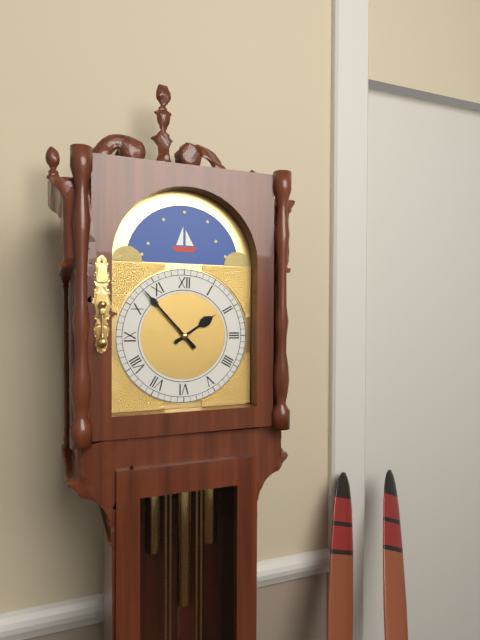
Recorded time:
1,53
